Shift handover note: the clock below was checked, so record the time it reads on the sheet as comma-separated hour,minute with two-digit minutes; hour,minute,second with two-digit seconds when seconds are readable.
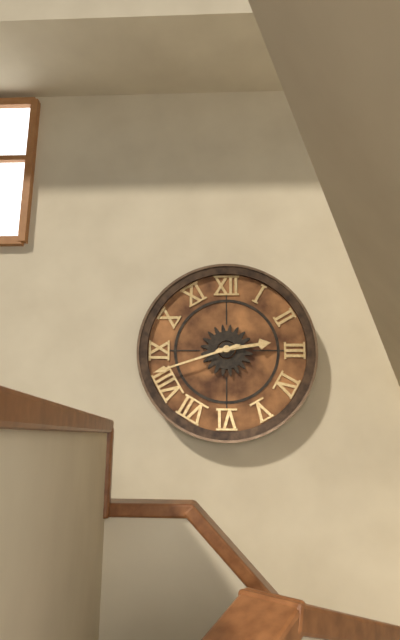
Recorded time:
2,42
